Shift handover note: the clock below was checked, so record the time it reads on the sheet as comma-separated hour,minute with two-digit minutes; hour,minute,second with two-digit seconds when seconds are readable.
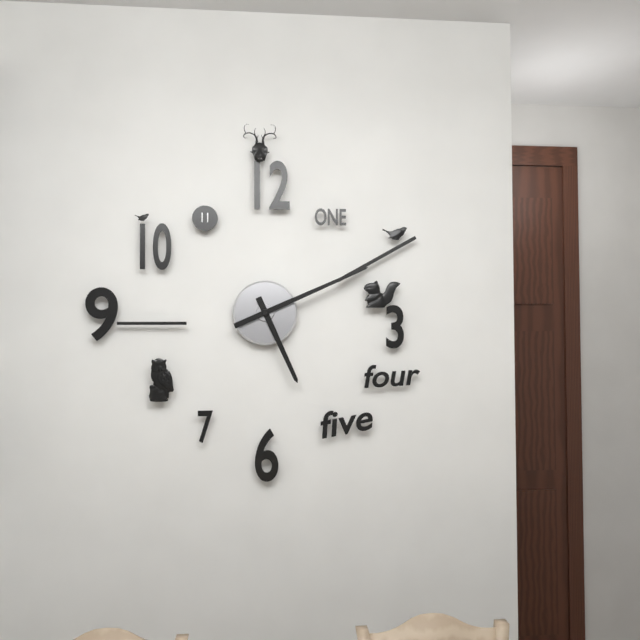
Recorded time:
5,11
